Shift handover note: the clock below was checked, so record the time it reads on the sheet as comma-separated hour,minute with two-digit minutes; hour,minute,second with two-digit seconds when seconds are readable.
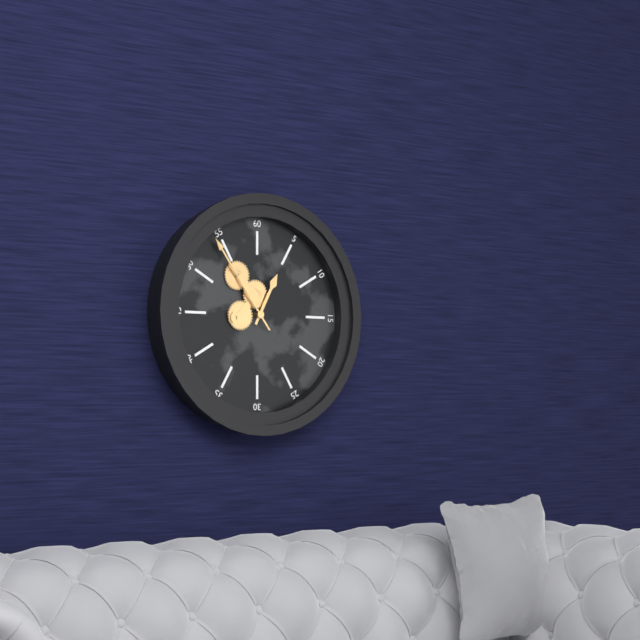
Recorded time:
12,54
